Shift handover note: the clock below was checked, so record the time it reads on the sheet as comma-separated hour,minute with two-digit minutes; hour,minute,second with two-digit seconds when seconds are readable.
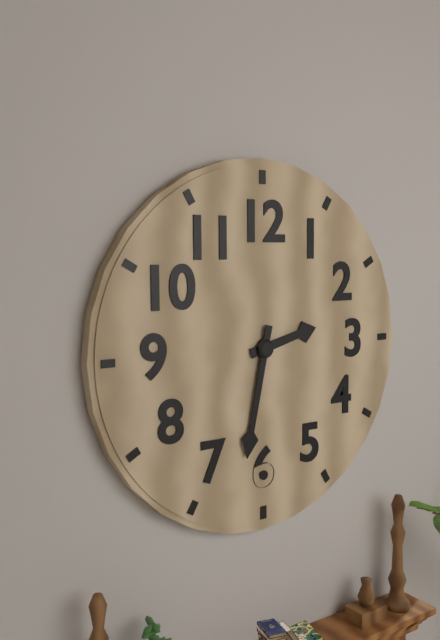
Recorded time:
2,32
